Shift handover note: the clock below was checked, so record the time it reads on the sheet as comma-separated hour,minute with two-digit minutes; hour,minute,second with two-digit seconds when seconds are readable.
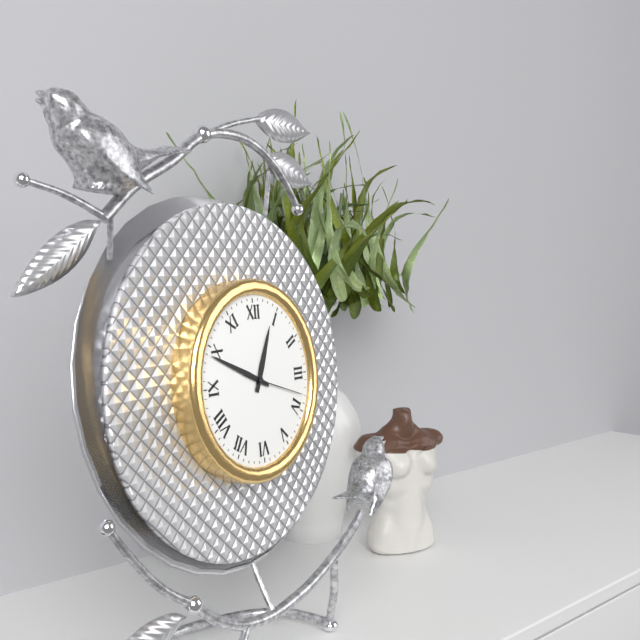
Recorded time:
12,49,18
